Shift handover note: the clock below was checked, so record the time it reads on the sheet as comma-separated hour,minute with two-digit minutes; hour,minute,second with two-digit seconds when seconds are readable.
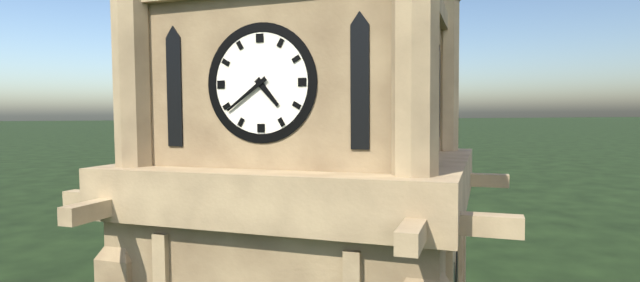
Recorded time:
4,39
